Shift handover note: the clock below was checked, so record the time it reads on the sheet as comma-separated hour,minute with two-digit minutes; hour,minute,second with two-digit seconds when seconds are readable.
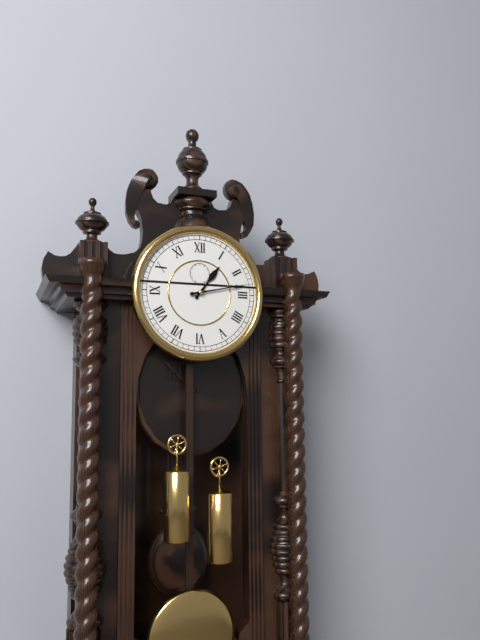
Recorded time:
1,13
